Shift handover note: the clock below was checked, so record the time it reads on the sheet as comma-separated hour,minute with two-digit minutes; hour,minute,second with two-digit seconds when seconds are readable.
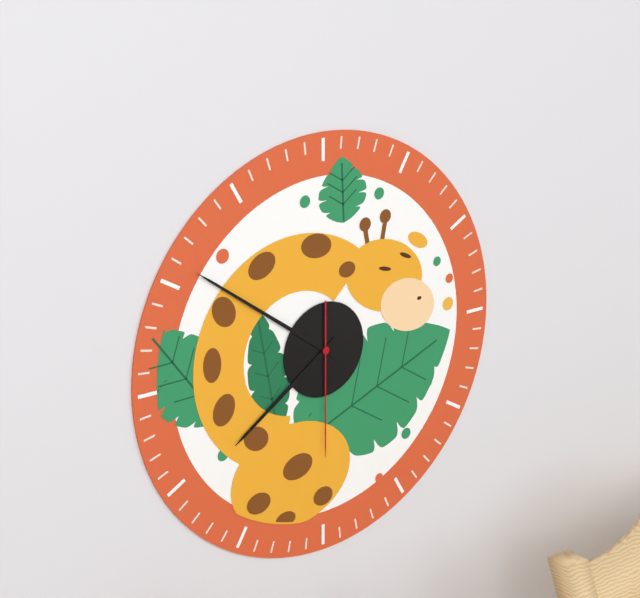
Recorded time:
7,51,30
